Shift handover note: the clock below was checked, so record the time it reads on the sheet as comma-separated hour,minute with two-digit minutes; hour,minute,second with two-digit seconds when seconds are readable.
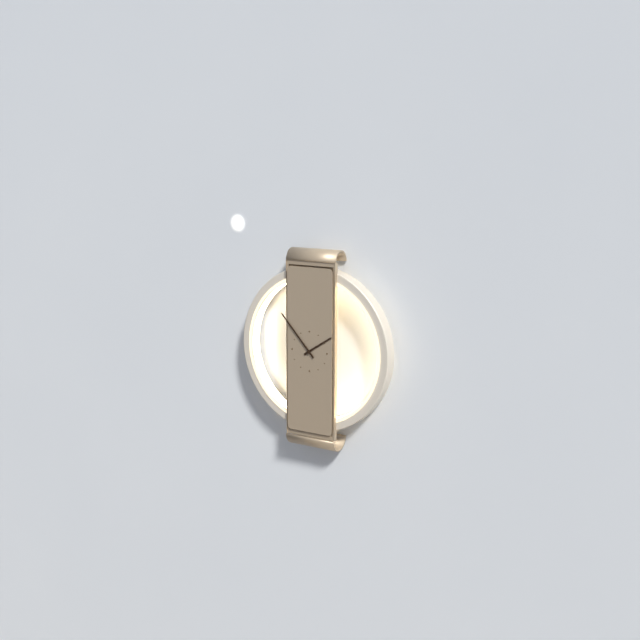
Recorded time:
1,53
